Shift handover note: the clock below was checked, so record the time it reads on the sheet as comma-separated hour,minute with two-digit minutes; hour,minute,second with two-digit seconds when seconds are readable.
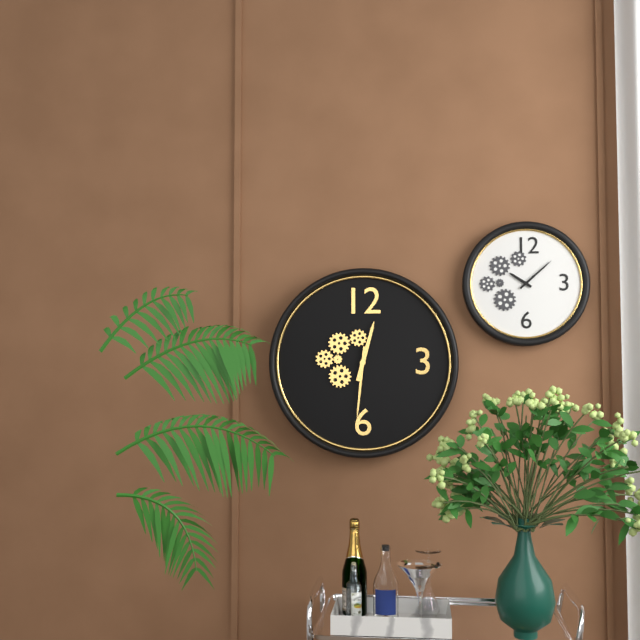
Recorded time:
12,31
